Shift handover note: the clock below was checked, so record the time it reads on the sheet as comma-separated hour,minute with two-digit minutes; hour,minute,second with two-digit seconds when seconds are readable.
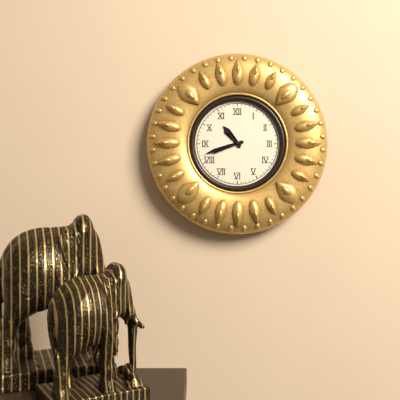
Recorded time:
10,42
